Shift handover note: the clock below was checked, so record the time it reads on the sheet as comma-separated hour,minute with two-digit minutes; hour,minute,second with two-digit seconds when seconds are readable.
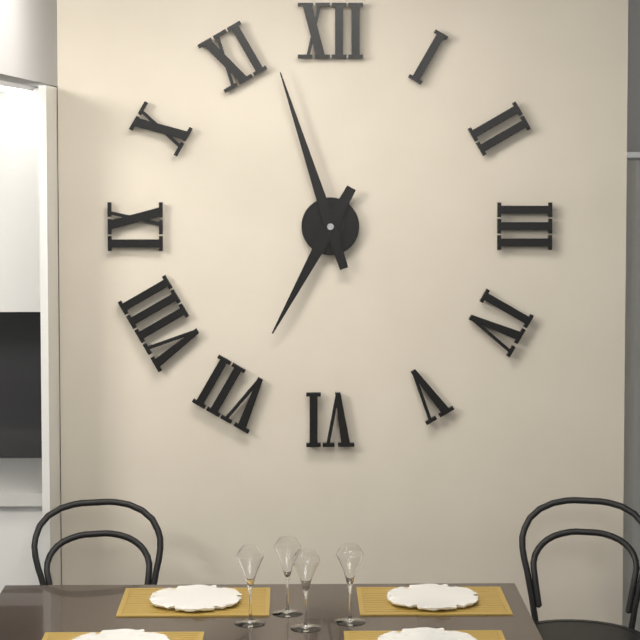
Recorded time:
6,57
